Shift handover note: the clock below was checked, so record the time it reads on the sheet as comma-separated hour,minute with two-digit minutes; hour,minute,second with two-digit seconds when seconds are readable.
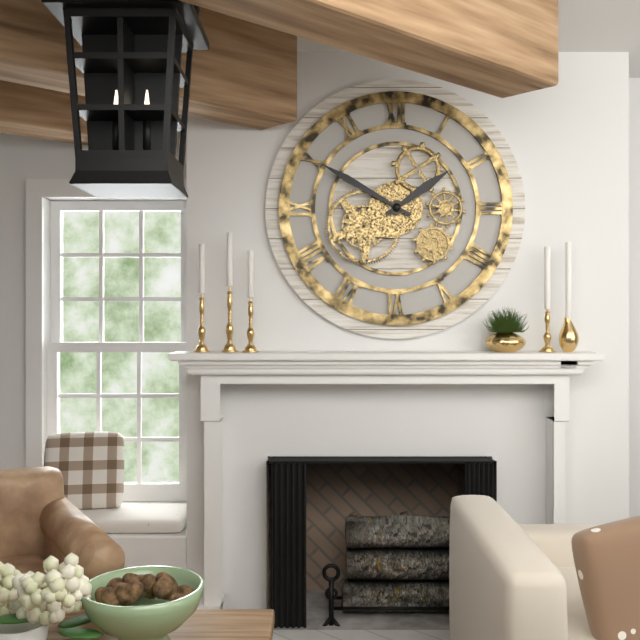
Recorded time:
1,50
